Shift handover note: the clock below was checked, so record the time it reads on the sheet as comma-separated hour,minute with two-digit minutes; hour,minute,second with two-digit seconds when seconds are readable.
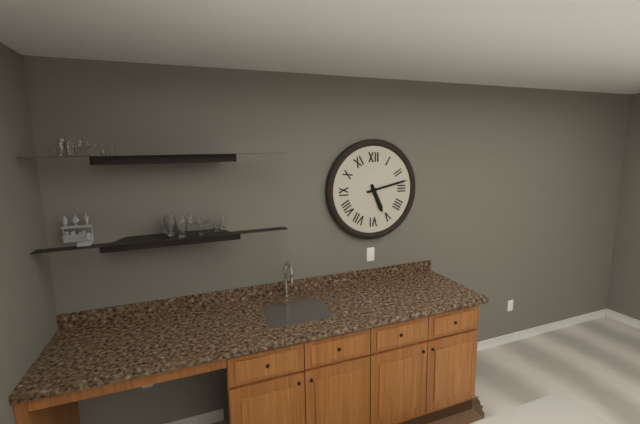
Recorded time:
5,13
